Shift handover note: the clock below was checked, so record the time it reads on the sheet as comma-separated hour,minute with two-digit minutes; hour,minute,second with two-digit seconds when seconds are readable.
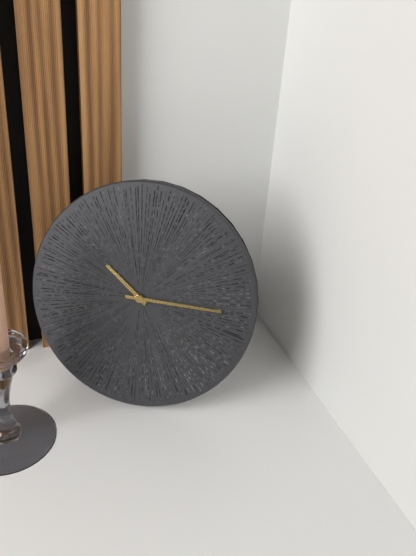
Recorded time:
10,15
